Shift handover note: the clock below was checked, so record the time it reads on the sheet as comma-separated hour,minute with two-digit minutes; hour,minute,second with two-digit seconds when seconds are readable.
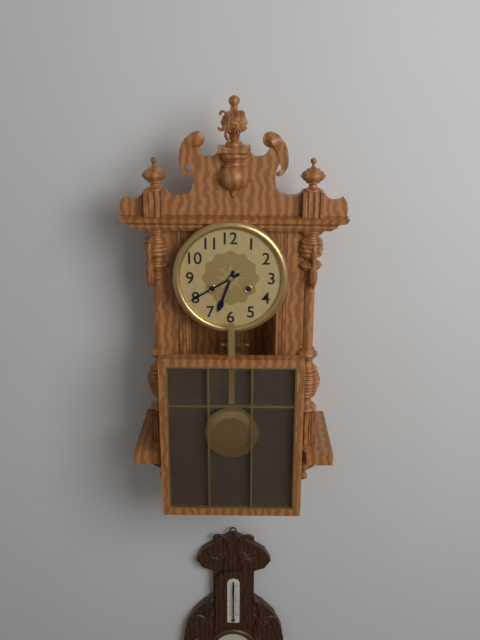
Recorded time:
6,40
